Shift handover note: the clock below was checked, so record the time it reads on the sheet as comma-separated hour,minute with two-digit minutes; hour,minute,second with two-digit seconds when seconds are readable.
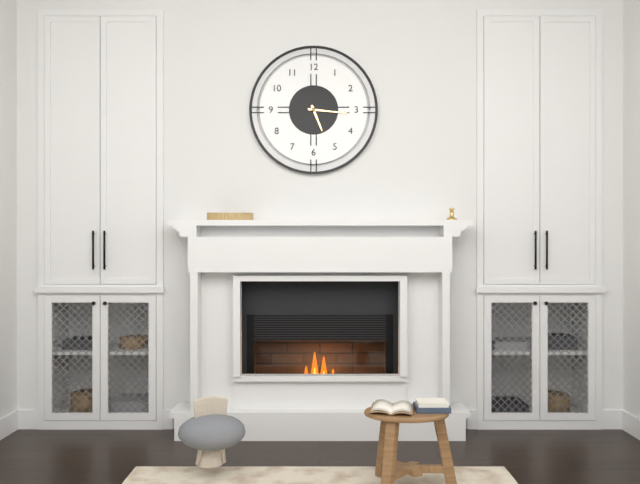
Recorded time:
5,16
